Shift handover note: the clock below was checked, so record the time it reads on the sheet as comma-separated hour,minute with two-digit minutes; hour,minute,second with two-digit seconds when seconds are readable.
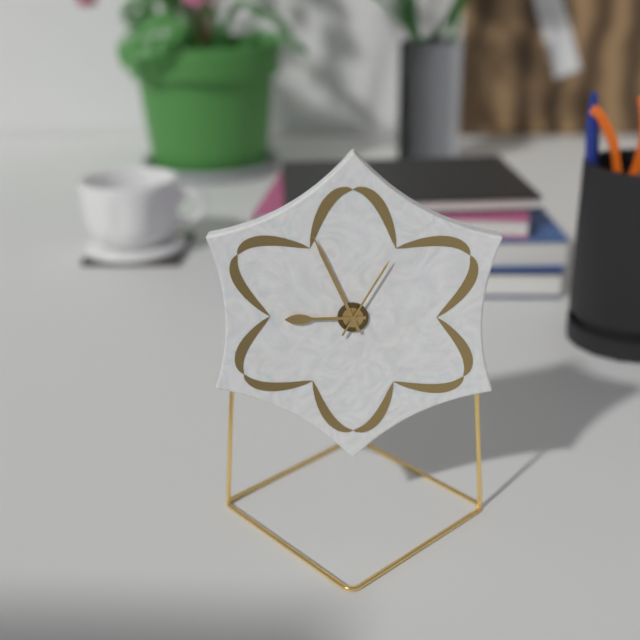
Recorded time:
8,56,05
